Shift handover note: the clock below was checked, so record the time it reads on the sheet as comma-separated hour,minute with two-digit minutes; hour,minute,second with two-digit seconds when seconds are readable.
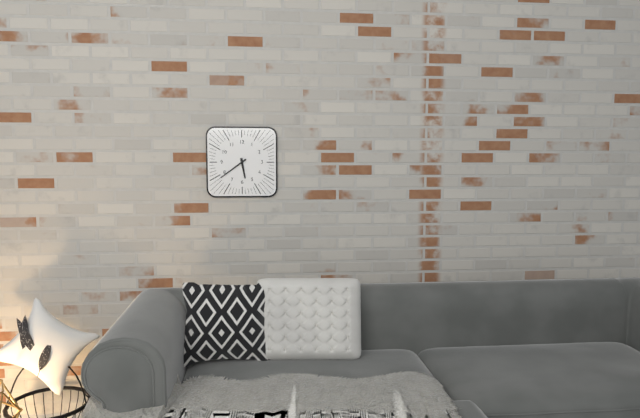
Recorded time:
5,39
